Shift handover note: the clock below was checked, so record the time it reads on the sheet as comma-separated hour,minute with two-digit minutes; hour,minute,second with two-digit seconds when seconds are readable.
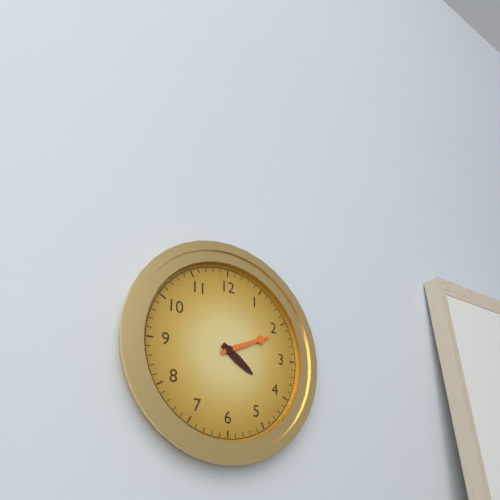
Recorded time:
4,11
